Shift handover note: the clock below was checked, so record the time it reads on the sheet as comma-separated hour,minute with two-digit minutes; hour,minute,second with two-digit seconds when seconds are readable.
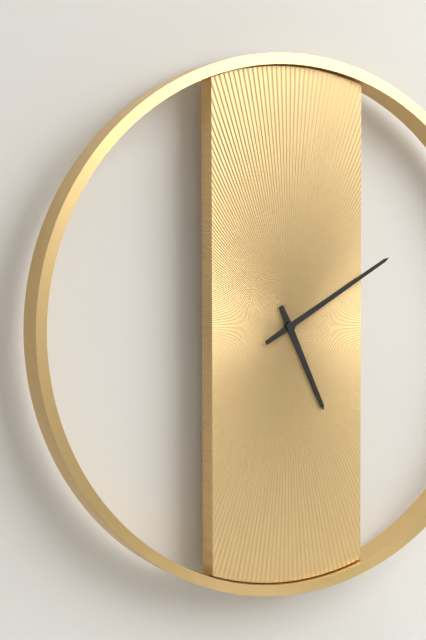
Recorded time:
5,10
